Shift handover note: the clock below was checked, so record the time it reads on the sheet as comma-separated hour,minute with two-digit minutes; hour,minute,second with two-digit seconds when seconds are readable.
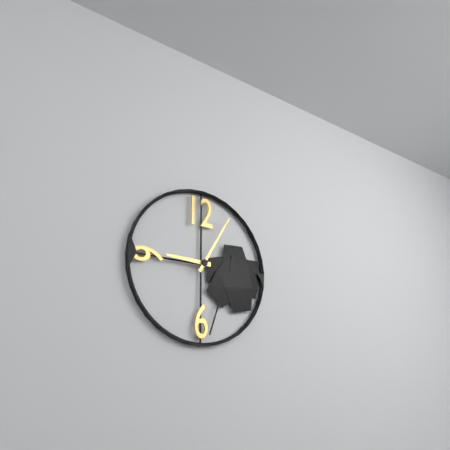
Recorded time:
9,05
